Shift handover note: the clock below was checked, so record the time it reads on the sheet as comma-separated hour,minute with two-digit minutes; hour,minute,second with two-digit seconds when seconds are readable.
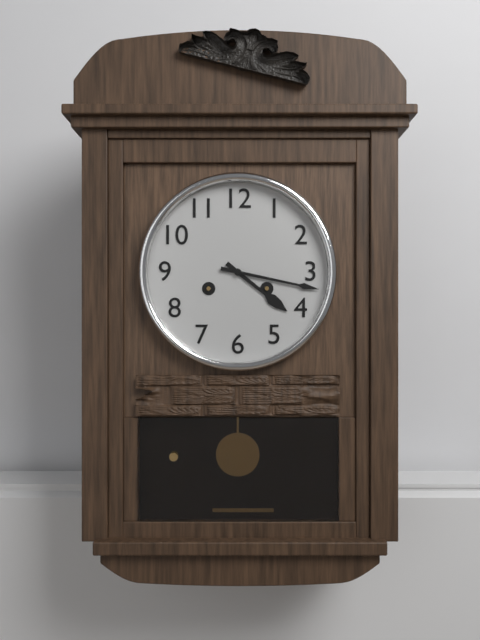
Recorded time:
4,17
